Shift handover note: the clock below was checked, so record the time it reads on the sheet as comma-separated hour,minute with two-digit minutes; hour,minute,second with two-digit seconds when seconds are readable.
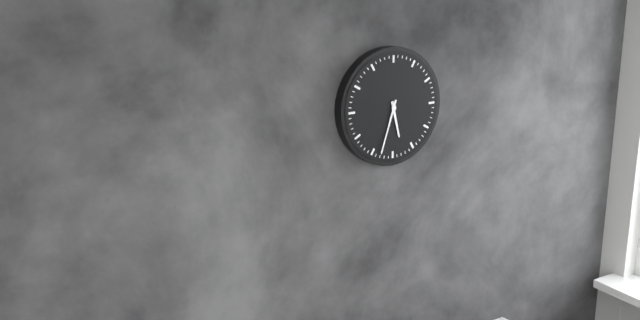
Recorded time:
5,33
